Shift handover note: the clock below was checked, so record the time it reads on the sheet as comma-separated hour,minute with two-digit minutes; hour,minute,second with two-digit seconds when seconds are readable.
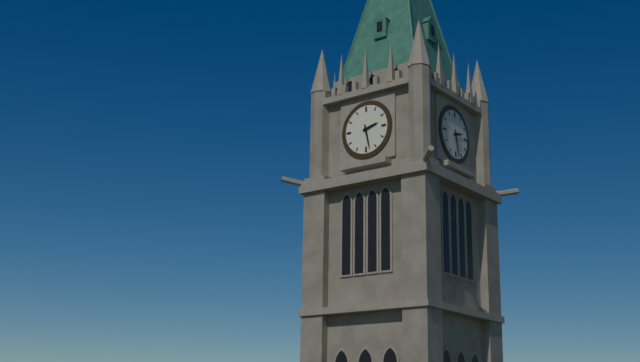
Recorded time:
2,28
